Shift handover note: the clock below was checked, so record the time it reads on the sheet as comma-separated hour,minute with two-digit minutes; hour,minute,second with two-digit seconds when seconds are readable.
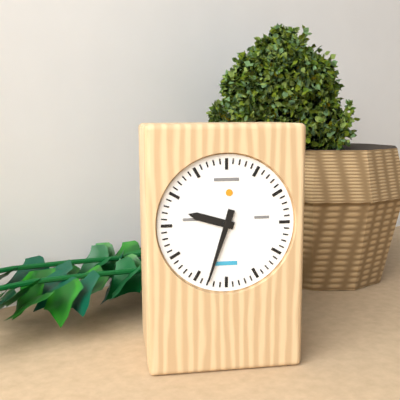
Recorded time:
9,33
